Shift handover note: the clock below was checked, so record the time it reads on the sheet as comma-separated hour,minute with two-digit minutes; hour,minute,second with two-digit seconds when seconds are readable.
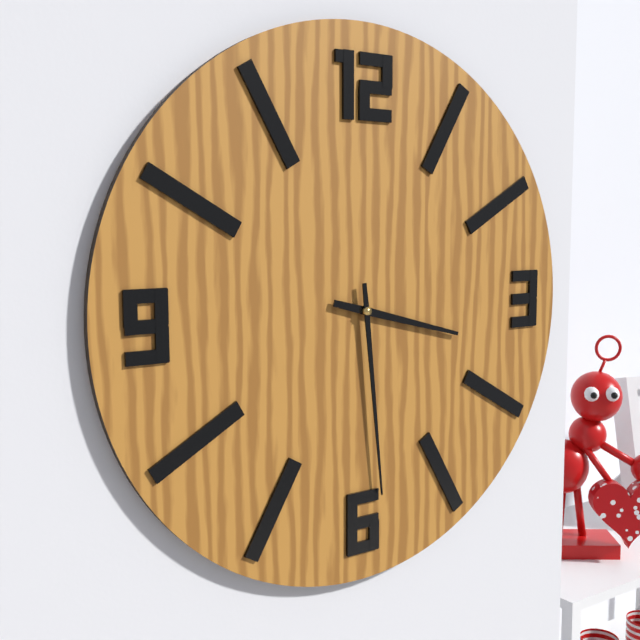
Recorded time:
3,29
